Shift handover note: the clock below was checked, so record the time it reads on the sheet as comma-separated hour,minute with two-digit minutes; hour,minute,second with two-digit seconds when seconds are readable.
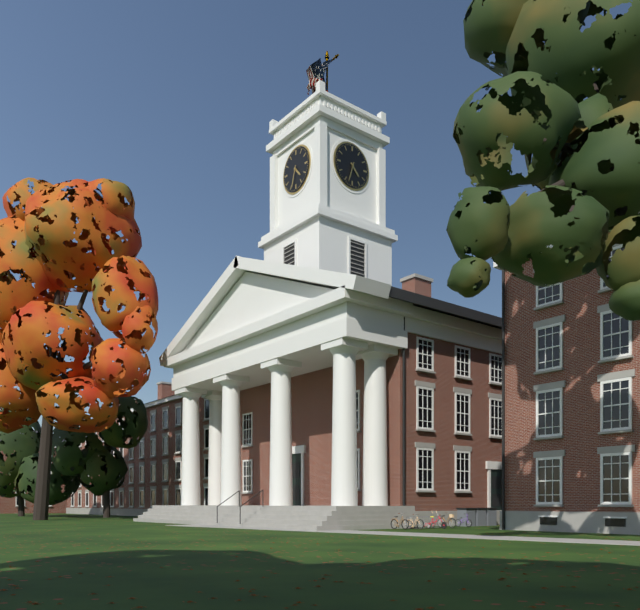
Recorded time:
4,33
